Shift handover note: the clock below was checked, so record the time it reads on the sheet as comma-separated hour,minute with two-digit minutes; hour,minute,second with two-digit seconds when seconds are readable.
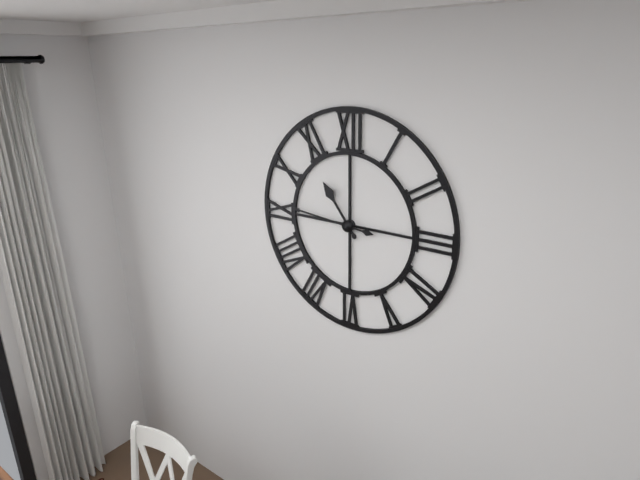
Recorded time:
10,46
